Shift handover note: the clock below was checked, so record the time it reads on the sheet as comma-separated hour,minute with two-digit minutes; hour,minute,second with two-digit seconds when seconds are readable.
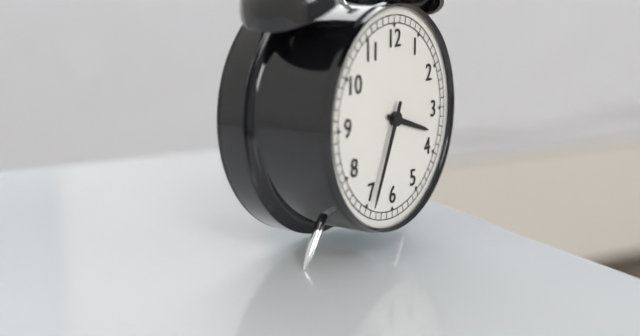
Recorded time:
3,34
